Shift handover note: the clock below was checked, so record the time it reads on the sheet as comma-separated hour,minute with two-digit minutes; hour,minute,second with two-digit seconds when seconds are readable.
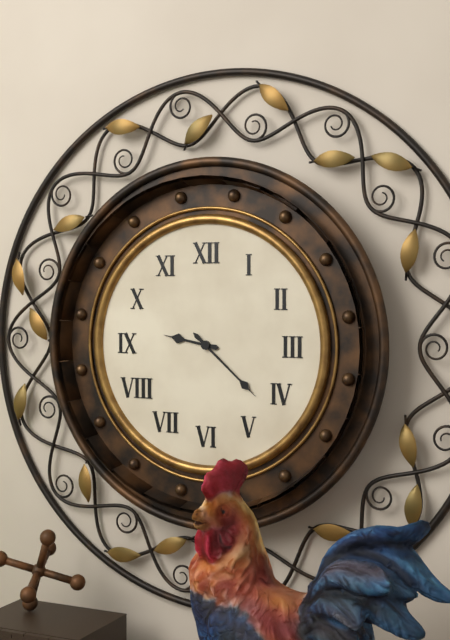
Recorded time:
9,22
